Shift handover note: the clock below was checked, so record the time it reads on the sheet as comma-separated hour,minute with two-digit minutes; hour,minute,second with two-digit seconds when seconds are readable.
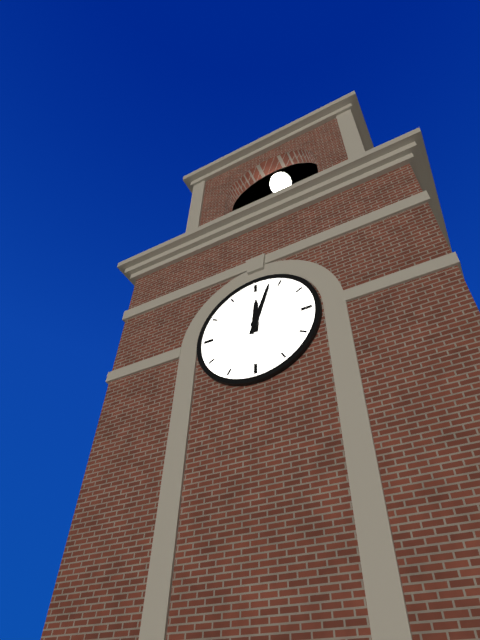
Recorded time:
12,03
